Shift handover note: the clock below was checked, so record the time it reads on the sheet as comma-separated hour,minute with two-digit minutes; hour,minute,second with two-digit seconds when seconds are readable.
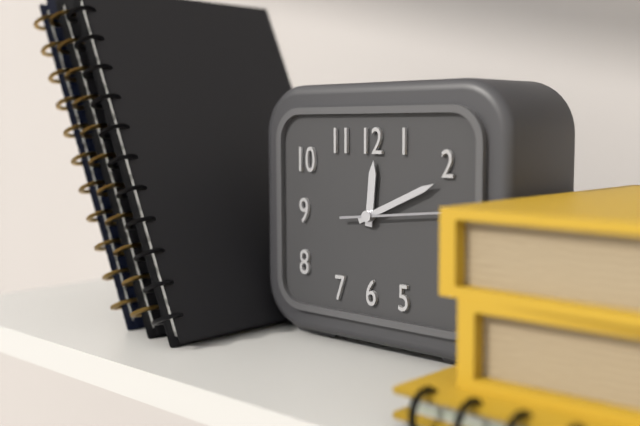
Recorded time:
12,11,14
